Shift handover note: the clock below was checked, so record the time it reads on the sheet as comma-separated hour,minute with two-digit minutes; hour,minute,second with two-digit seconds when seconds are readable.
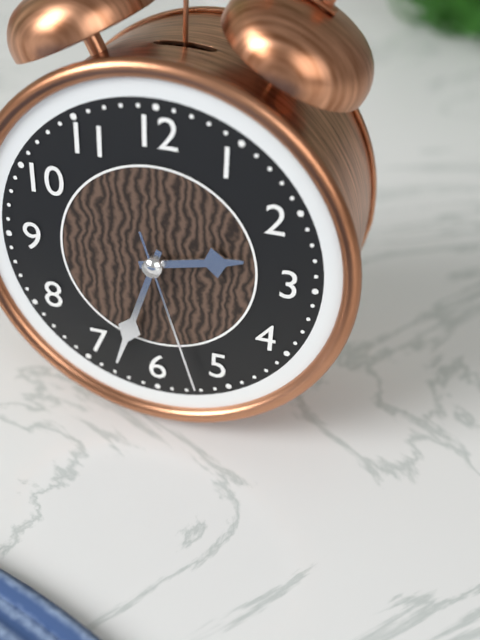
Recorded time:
2,33,27
